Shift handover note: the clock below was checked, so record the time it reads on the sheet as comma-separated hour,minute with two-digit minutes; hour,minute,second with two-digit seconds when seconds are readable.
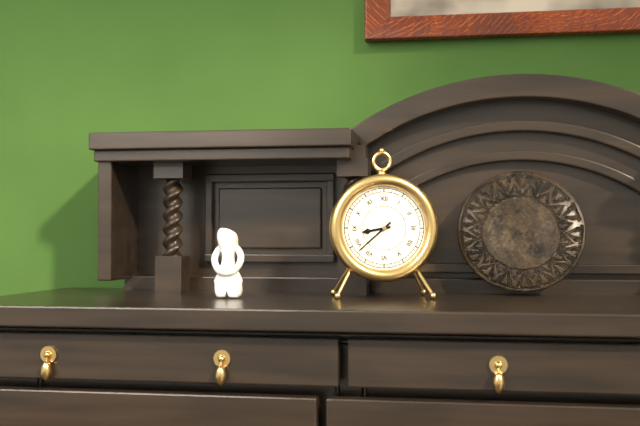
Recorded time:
8,38
